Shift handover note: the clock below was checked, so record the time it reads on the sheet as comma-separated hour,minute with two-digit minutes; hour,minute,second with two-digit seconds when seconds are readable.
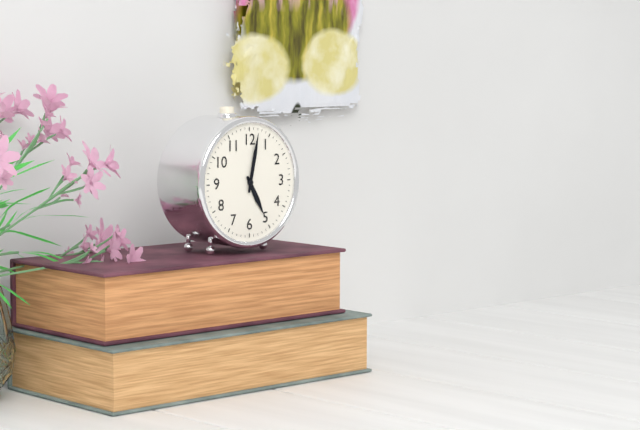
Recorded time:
5,02
